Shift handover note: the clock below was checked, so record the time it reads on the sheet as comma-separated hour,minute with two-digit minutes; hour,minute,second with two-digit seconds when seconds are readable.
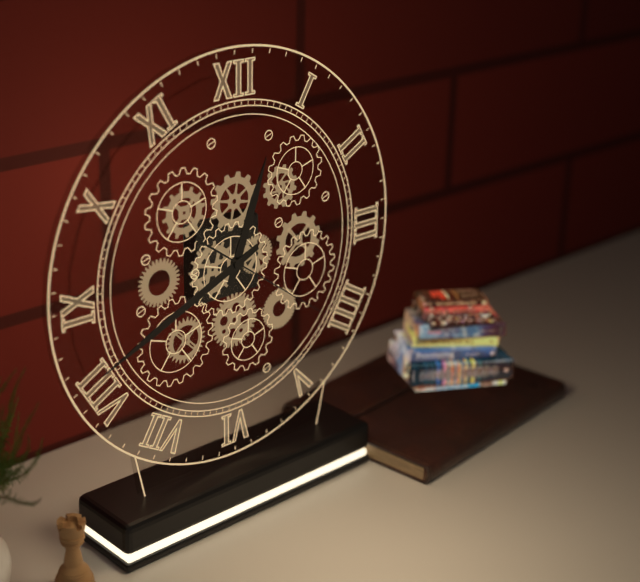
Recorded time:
12,41,21
